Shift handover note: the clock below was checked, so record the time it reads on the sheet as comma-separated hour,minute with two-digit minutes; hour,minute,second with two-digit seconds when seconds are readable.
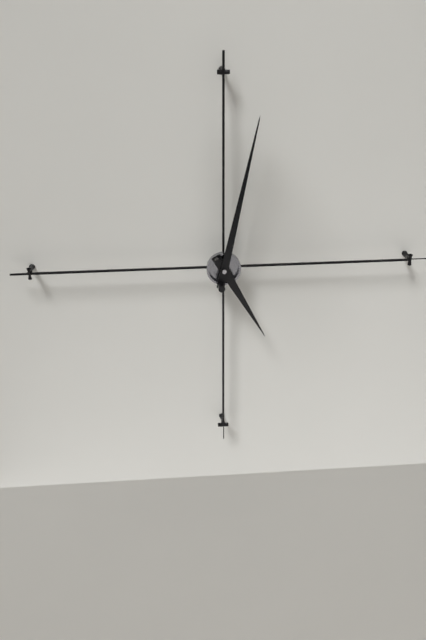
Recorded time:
5,02
